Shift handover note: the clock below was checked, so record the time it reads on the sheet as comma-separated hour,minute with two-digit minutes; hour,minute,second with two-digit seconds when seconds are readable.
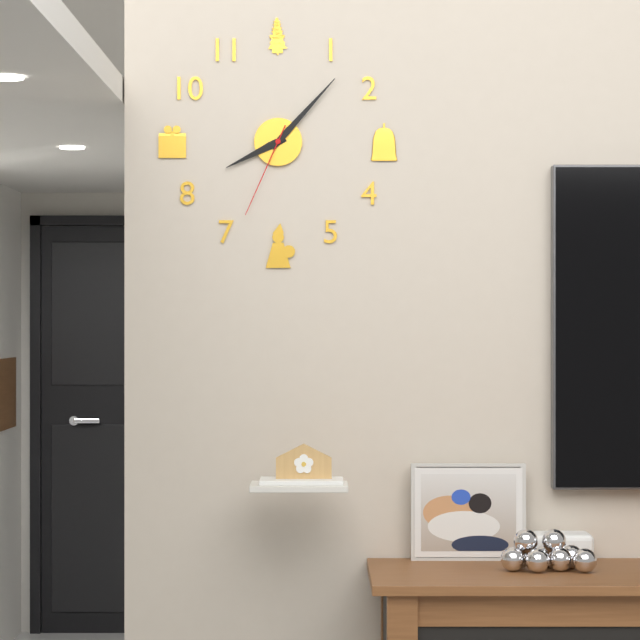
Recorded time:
8,07,34
